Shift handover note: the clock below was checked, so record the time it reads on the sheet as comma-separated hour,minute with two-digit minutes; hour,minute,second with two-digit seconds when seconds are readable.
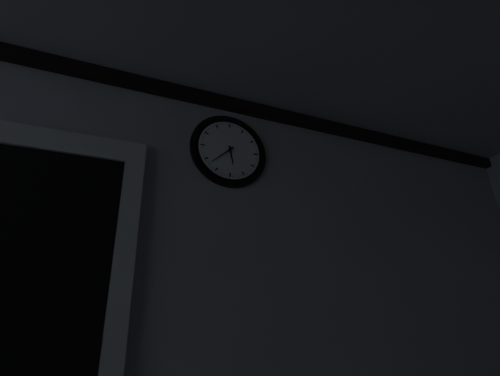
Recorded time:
5,38
